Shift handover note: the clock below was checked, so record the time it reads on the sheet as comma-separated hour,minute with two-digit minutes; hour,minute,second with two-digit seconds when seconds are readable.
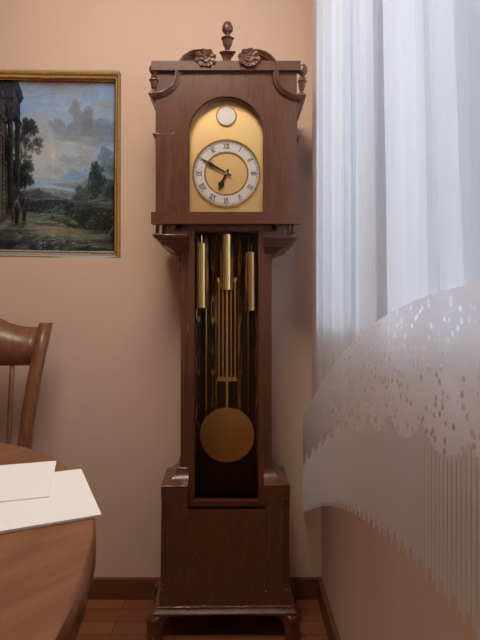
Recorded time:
6,50
